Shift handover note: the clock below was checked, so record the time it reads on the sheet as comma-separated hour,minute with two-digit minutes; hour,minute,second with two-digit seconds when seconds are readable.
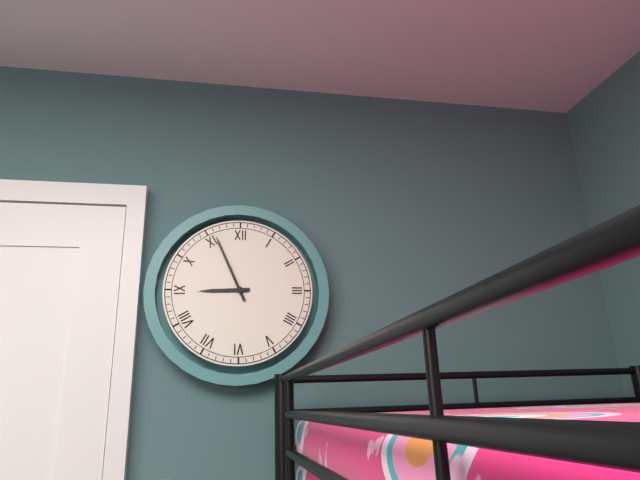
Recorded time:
8,56
